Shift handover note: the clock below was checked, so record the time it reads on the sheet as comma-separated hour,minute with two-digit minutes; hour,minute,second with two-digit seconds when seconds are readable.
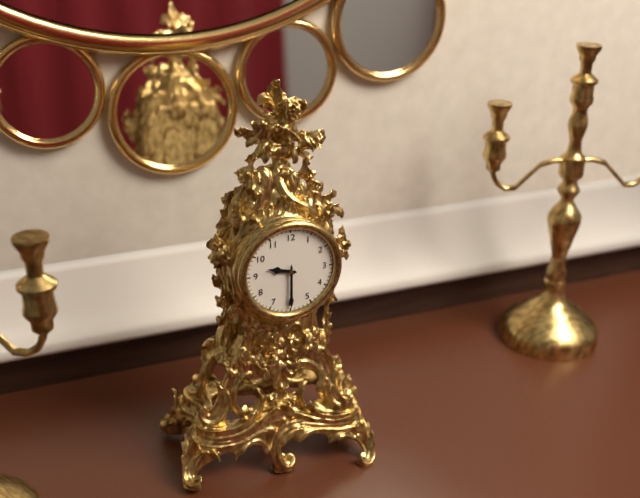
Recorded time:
9,30
